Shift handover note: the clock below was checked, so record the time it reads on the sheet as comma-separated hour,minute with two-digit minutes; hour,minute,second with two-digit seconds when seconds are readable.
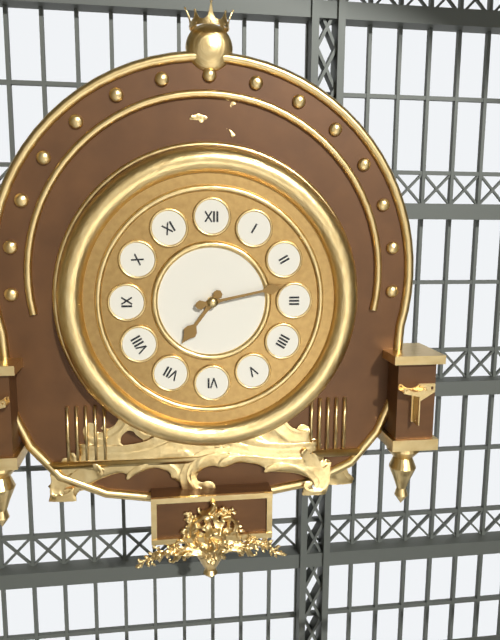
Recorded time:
7,13
